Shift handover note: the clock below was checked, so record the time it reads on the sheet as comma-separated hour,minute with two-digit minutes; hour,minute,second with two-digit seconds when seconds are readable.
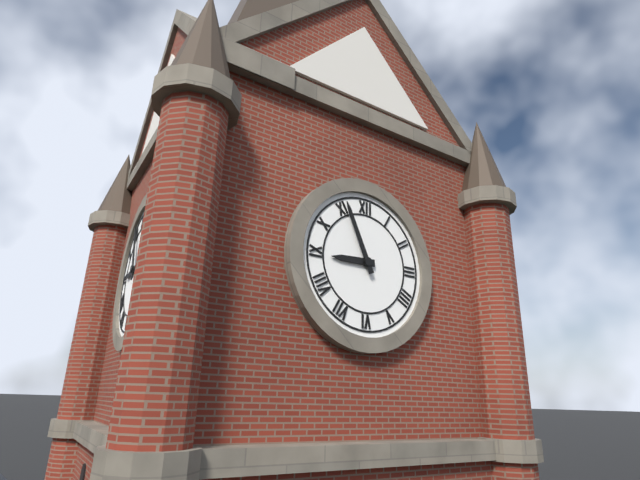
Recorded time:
8,56
